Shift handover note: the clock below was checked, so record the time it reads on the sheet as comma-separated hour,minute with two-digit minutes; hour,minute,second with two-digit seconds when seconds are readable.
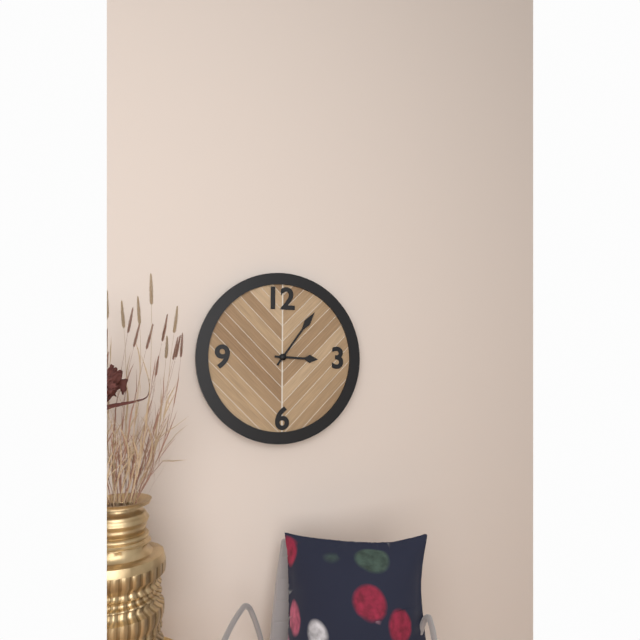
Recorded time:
3,06
